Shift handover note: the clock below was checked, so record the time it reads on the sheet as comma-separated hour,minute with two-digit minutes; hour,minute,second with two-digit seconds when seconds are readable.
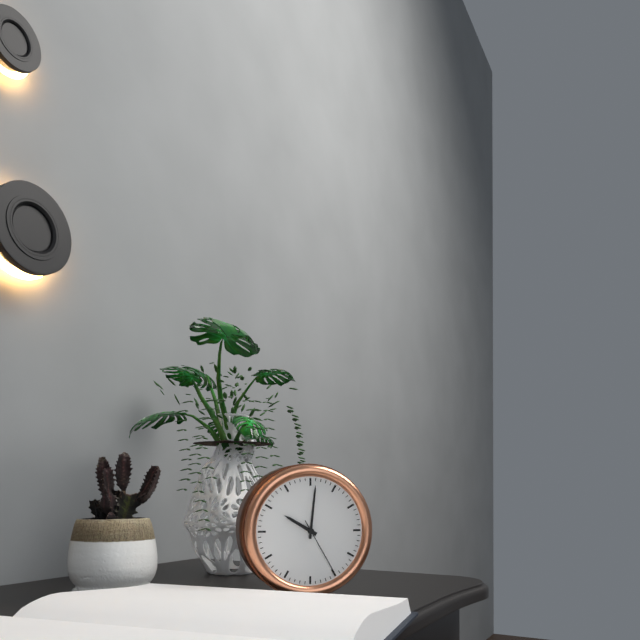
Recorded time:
10,01,25
